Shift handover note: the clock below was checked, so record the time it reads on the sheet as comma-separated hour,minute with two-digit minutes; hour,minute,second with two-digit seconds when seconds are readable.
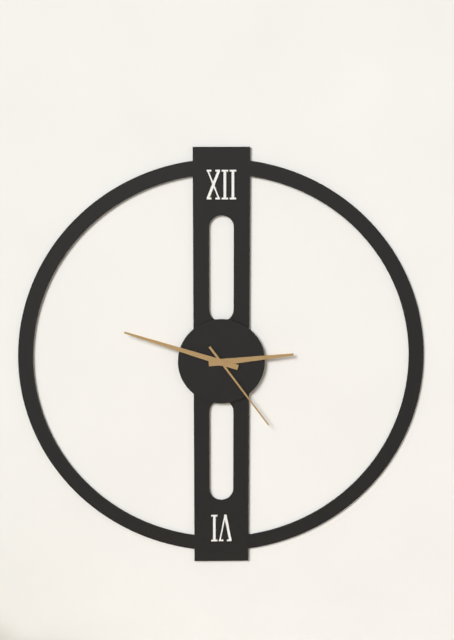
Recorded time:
2,48,24
